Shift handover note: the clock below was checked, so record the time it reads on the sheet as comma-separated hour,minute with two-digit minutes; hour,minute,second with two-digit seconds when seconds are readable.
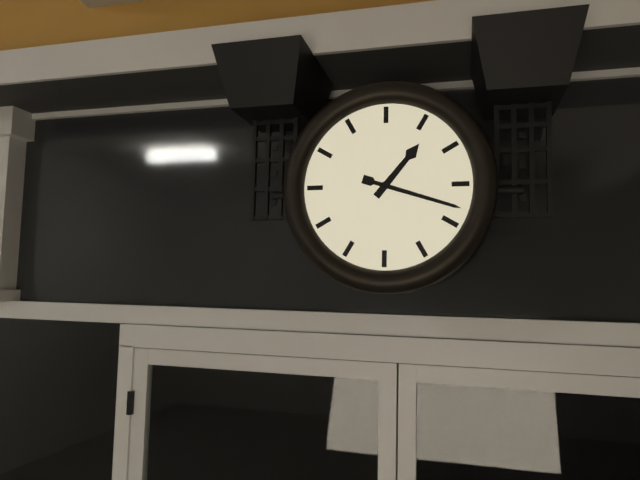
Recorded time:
1,18
